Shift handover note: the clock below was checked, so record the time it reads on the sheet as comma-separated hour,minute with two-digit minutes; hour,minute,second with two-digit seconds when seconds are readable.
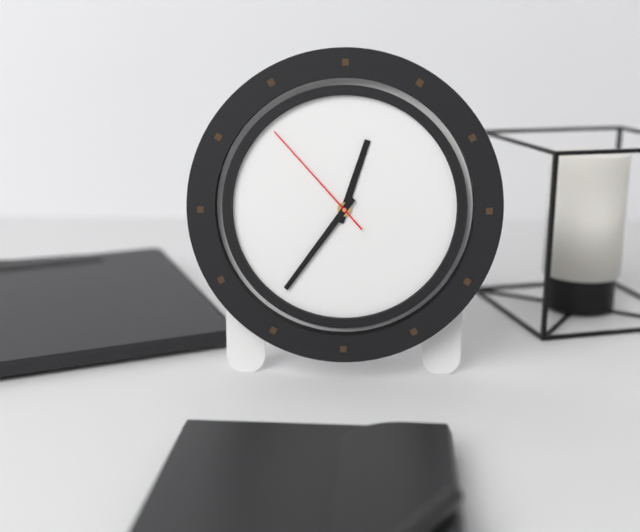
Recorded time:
12,36,53
